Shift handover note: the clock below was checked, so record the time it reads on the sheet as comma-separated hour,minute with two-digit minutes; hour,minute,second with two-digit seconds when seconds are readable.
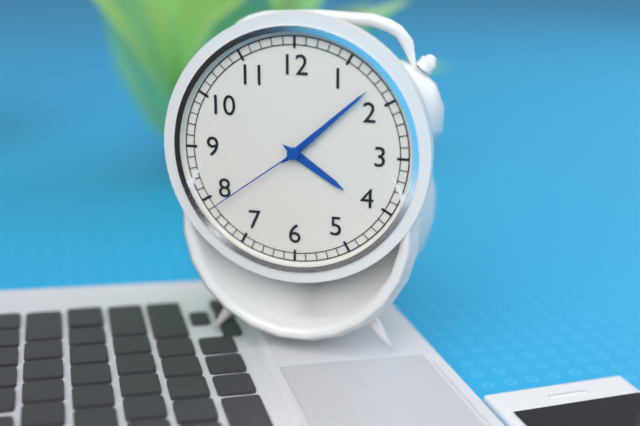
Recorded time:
4,08,39
